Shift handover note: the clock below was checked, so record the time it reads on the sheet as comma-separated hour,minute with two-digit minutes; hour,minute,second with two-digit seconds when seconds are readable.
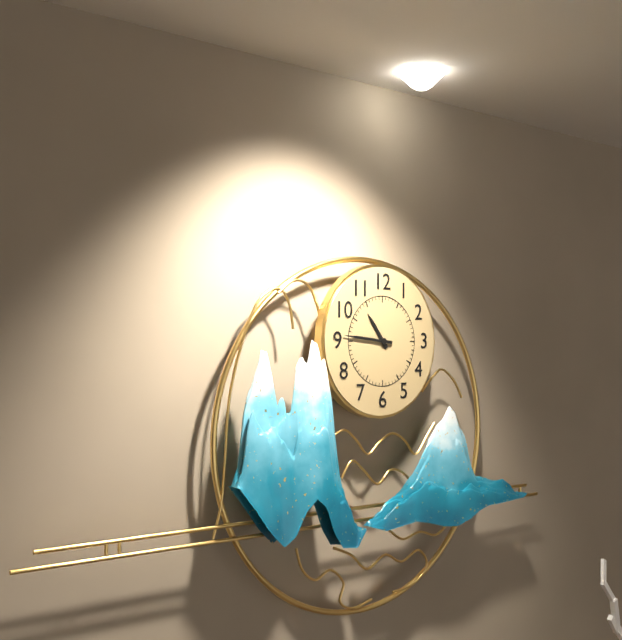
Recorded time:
10,46
